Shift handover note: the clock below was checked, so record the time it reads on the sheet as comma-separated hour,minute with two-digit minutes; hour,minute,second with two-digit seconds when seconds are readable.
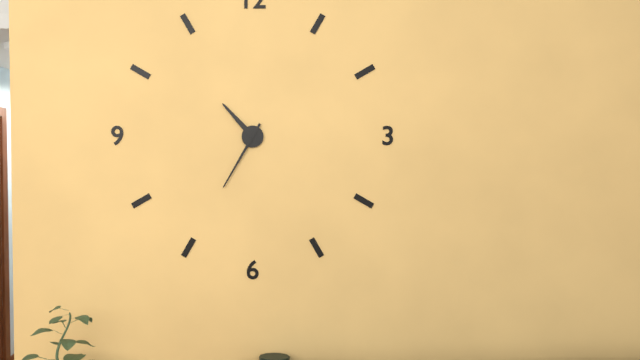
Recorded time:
10,35
